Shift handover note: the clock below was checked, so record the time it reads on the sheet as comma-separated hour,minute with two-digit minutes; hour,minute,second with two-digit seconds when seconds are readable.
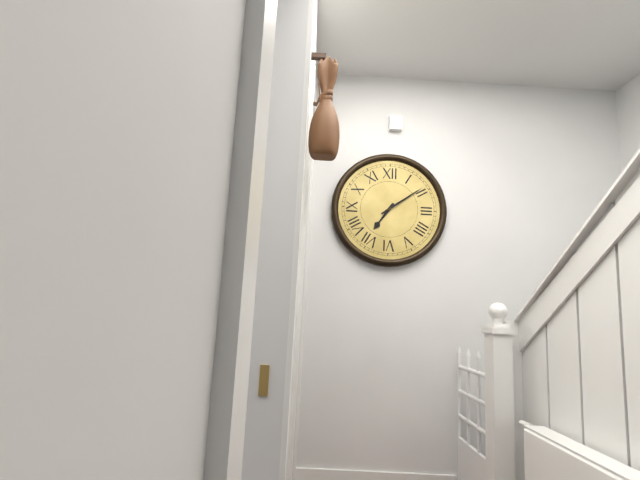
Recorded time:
7,09
